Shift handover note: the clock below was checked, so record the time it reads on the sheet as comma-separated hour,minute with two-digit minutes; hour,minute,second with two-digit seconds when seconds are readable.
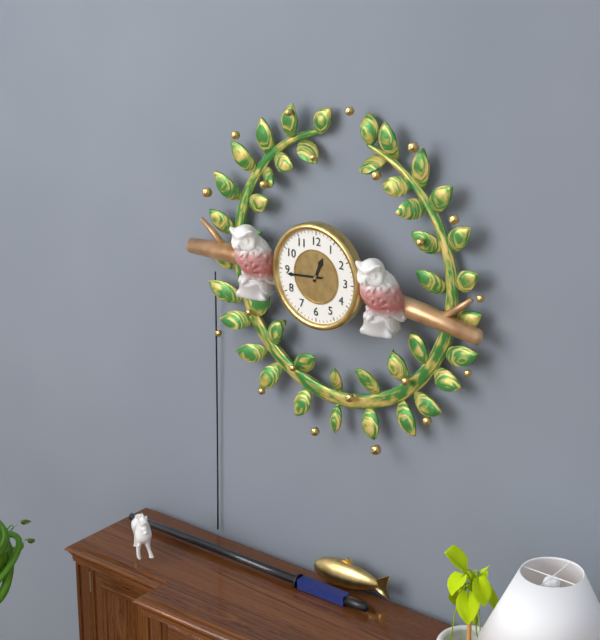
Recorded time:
12,44
